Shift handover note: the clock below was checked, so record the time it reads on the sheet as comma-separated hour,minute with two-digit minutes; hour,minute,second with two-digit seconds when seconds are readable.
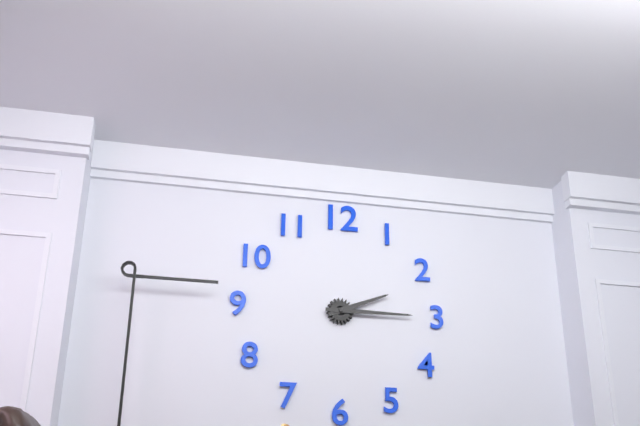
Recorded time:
2,15
